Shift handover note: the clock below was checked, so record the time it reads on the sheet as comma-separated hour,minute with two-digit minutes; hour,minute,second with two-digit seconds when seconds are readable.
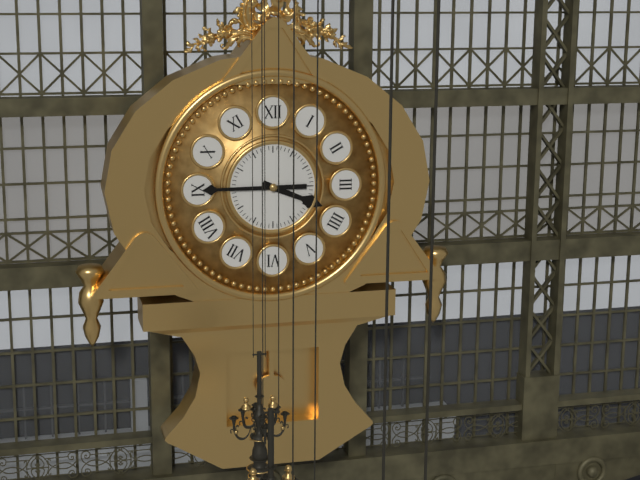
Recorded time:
3,45
